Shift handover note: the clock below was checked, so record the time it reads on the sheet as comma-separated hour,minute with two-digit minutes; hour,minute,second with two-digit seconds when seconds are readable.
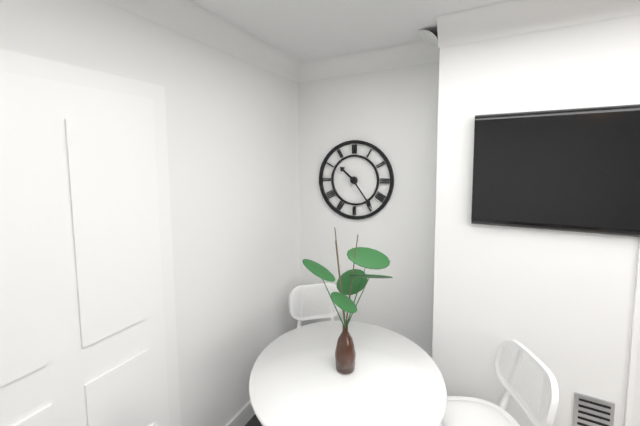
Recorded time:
10,24
